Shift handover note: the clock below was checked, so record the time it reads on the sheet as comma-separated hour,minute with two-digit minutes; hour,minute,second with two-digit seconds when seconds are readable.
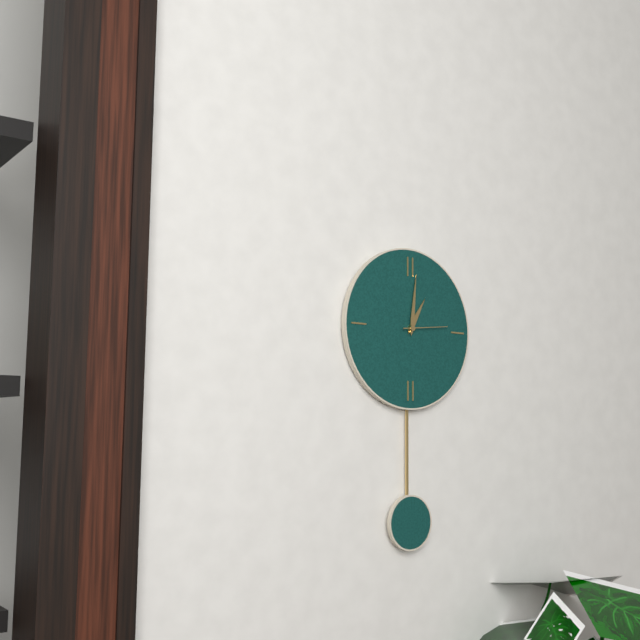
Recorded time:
1,01,14
